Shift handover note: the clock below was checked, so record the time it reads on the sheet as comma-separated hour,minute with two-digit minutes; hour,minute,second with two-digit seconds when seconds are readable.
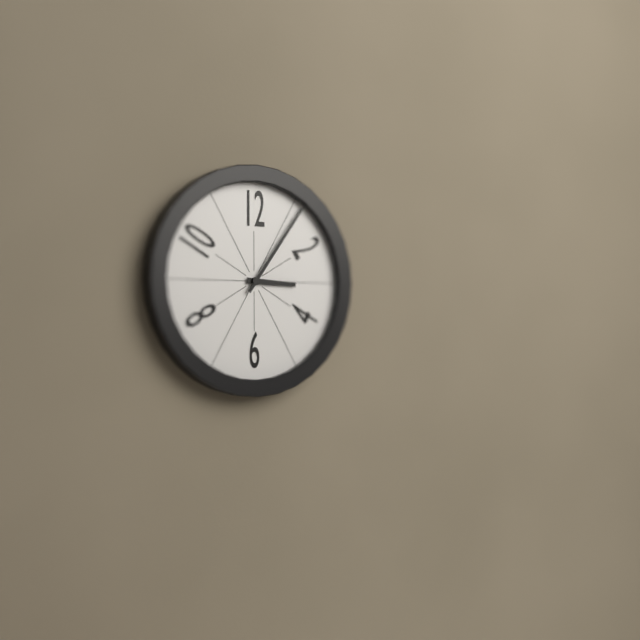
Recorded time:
3,06
